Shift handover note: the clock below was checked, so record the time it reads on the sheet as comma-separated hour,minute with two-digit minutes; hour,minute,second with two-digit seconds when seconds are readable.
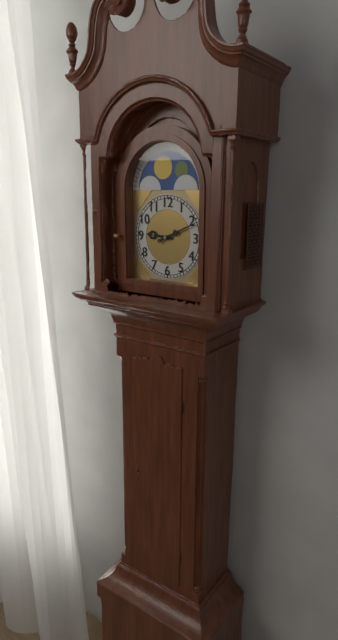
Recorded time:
9,11
